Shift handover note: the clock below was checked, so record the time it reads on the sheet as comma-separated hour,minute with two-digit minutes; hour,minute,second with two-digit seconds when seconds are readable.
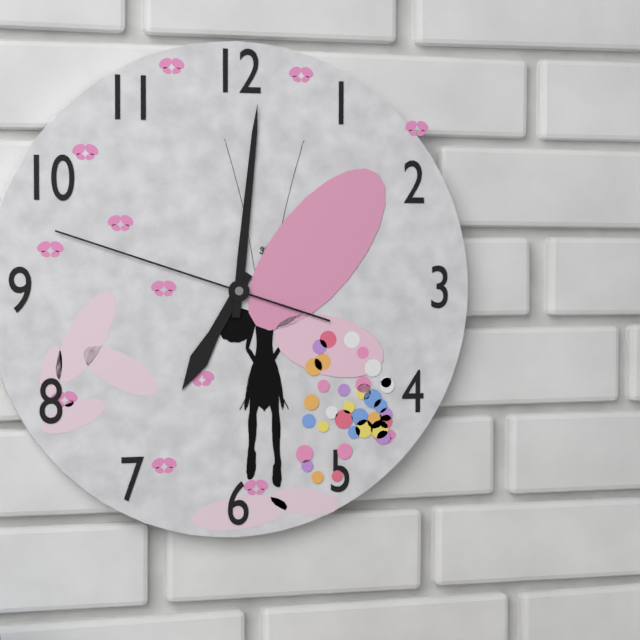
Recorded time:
7,01,48
